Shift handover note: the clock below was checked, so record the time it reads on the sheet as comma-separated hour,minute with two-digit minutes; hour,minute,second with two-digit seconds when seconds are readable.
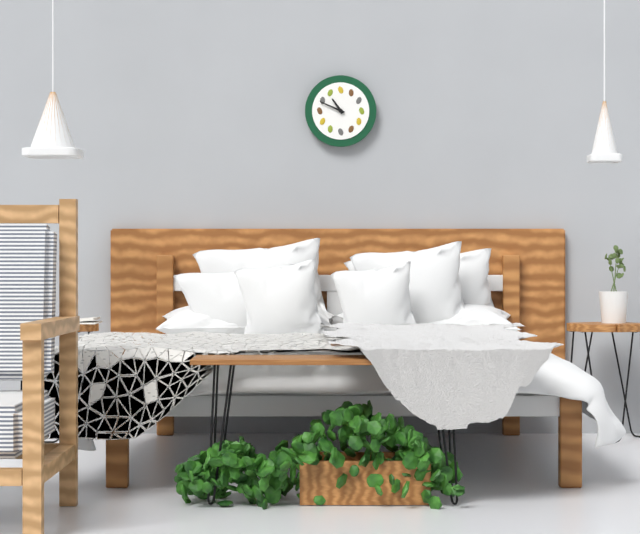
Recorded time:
10,49
